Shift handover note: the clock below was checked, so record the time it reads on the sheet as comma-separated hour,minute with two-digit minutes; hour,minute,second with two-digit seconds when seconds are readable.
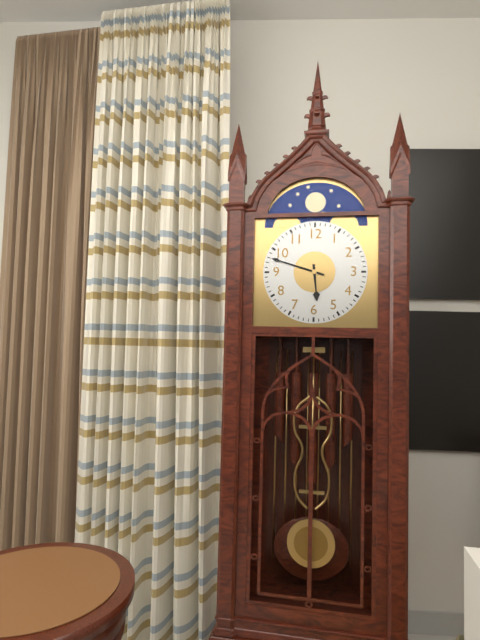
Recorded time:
5,48
